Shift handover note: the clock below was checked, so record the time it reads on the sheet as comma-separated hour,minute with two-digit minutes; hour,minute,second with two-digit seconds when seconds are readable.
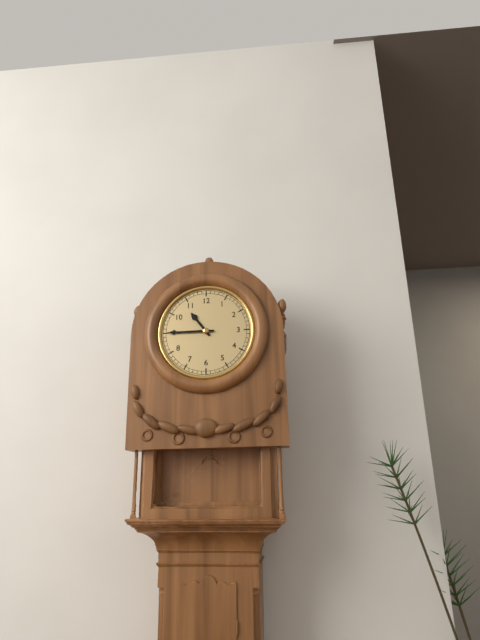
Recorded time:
10,45
